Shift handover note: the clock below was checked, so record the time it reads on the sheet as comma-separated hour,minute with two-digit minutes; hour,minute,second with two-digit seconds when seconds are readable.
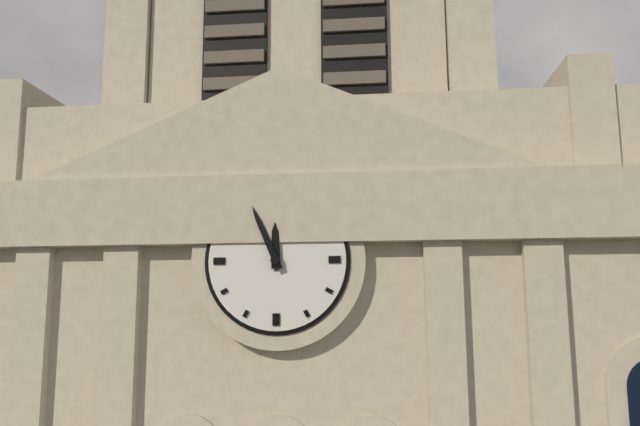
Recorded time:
11,56
